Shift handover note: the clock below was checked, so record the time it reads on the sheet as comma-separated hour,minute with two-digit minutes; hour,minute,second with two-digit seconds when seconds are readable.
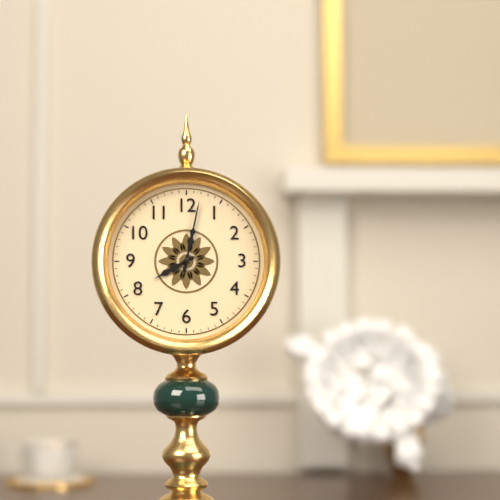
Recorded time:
8,02
